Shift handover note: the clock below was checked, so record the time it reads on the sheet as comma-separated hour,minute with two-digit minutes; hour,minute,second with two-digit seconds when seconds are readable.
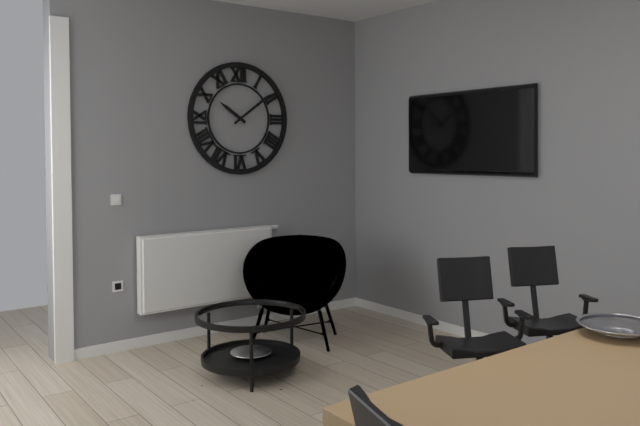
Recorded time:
10,09
